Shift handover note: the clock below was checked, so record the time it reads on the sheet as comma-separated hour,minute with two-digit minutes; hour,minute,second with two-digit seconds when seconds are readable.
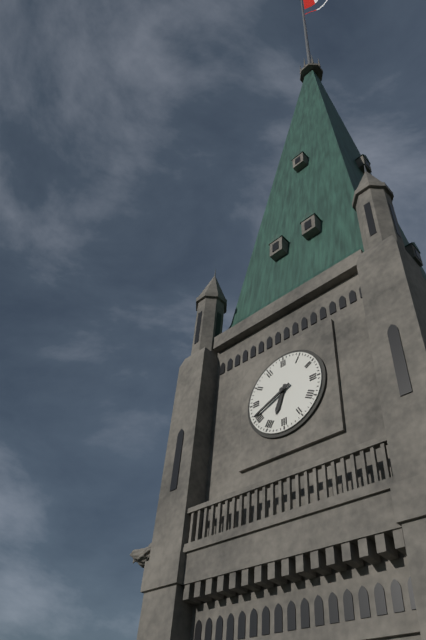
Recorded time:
6,41
